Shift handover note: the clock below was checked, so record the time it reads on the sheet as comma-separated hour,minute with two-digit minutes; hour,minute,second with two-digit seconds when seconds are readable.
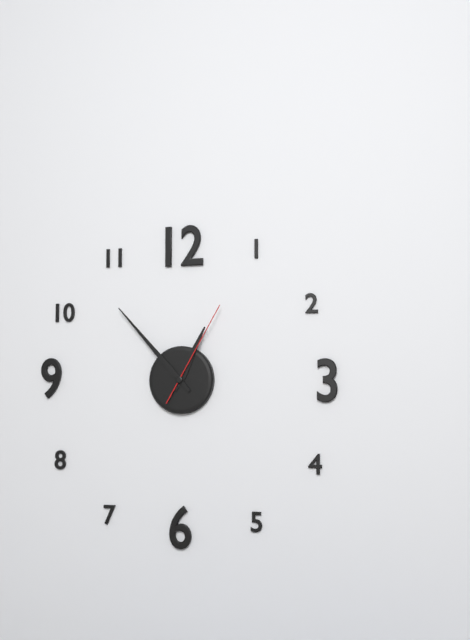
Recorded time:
12,53,05
